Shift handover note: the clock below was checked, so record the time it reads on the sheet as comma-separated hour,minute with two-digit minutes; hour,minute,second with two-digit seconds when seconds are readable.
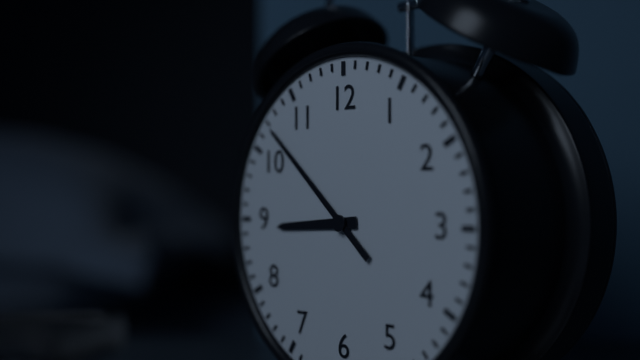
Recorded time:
8,52
